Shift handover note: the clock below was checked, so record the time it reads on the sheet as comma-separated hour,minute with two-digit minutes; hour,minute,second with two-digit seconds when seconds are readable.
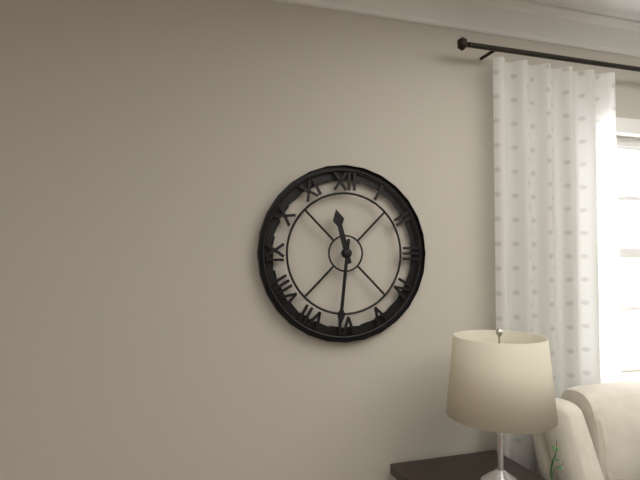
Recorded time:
11,31
